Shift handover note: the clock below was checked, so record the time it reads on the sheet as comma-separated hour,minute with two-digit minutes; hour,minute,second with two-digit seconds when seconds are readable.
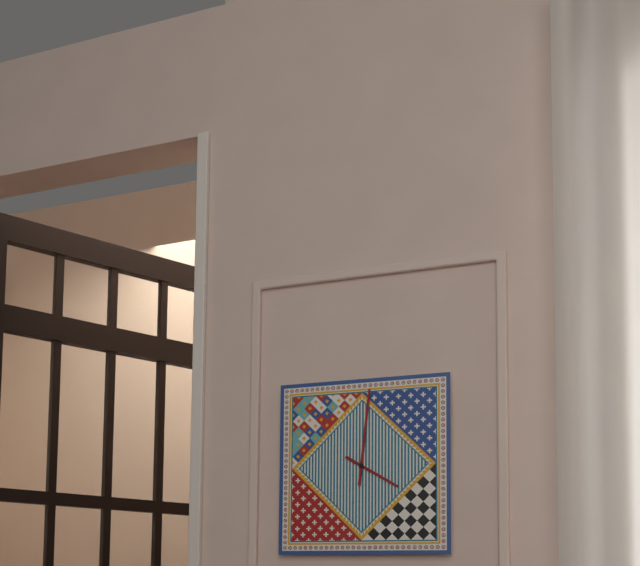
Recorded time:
4,01
